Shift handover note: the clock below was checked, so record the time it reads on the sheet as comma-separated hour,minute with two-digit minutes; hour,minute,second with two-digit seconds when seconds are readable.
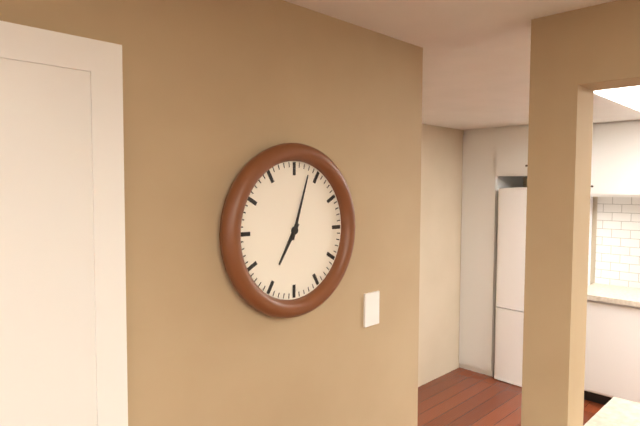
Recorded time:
7,03
